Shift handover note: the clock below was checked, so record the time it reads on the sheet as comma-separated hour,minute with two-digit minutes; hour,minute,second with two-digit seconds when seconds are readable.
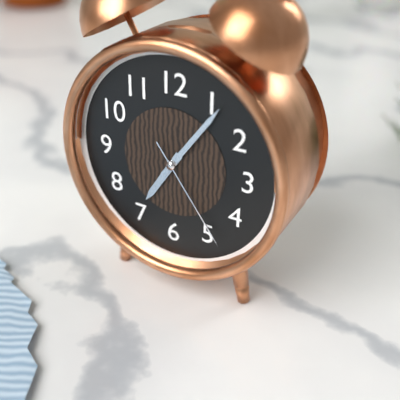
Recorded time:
7,06,24
